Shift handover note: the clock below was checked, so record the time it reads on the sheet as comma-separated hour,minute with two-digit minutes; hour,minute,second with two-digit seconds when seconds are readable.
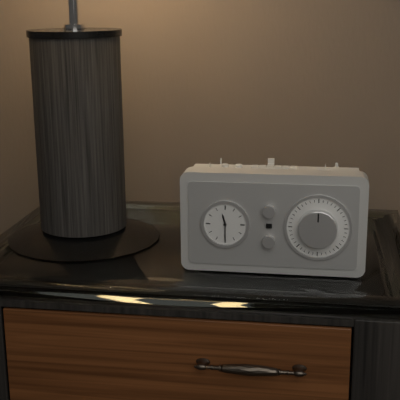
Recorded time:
11,30
